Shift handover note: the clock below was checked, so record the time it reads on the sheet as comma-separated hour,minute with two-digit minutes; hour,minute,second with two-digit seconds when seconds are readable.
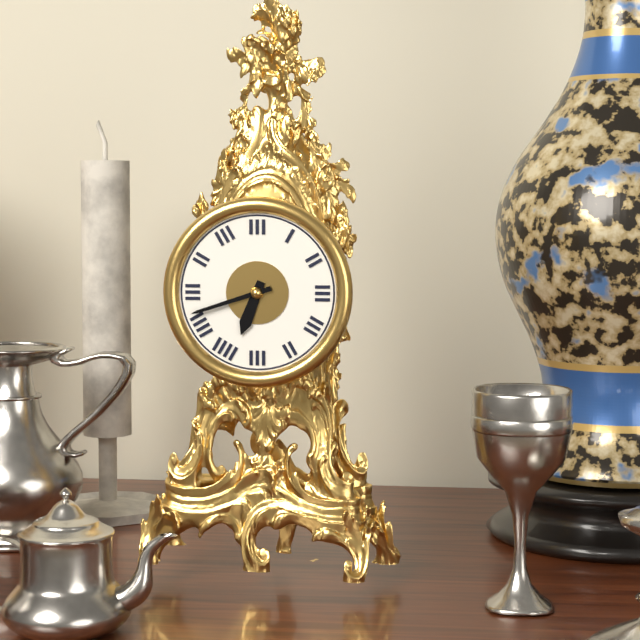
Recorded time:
6,42
